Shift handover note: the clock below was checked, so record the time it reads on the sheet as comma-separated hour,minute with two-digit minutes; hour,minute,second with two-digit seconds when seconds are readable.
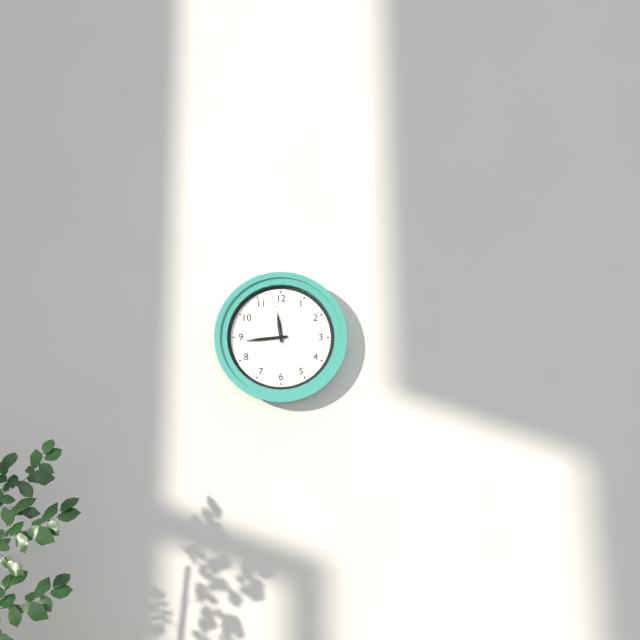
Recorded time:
11,44,58
